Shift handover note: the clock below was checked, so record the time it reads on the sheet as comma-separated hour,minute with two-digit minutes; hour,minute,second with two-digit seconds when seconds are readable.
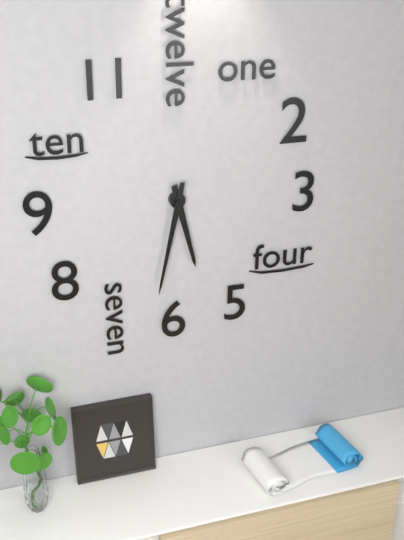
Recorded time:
5,32
